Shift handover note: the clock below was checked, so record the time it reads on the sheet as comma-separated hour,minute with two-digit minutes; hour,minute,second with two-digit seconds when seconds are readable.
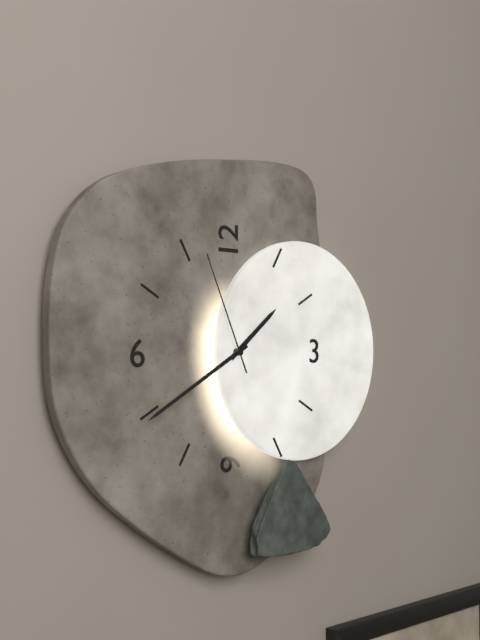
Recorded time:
1,40,56
